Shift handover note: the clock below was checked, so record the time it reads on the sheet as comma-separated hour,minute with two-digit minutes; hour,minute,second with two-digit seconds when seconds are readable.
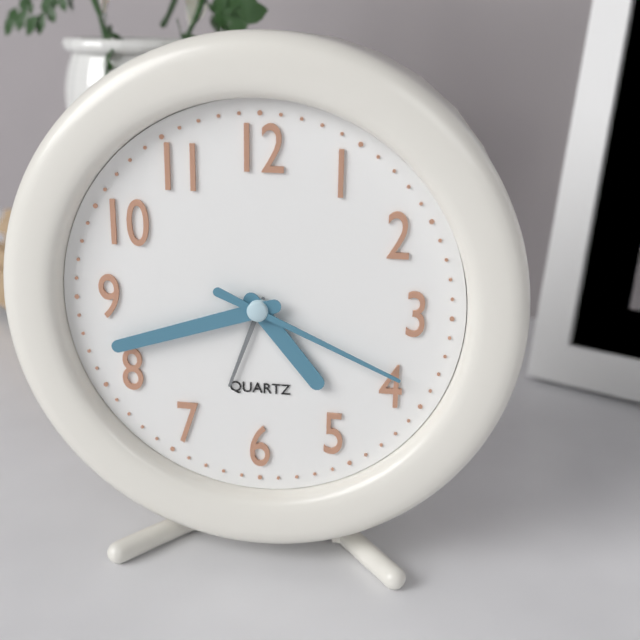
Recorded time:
4,42,19
